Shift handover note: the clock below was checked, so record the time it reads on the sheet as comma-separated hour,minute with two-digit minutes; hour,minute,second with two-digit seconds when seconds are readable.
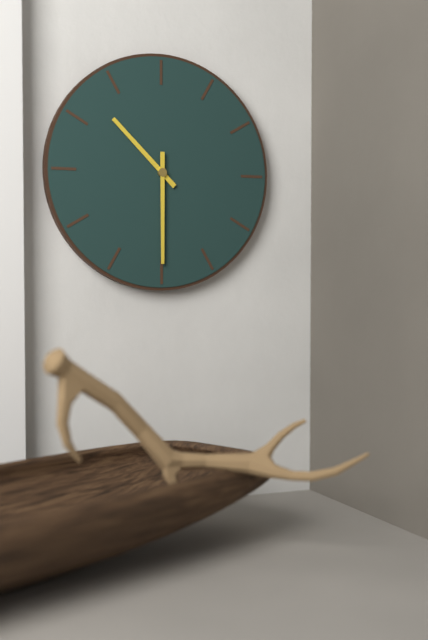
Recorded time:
10,30
